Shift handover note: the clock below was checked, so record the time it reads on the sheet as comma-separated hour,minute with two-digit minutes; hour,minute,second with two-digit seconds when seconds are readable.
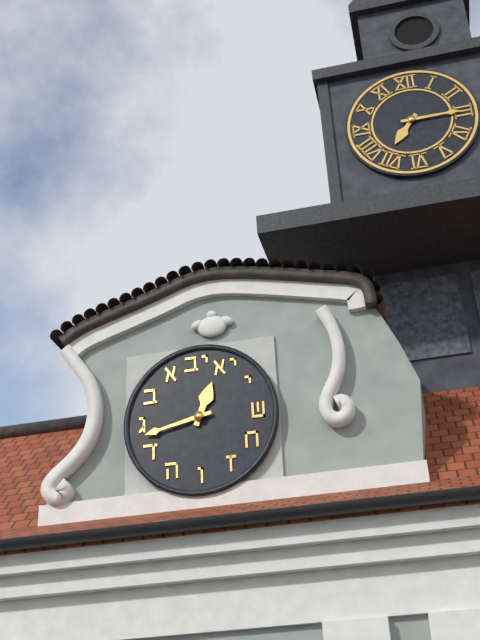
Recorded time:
12,43
